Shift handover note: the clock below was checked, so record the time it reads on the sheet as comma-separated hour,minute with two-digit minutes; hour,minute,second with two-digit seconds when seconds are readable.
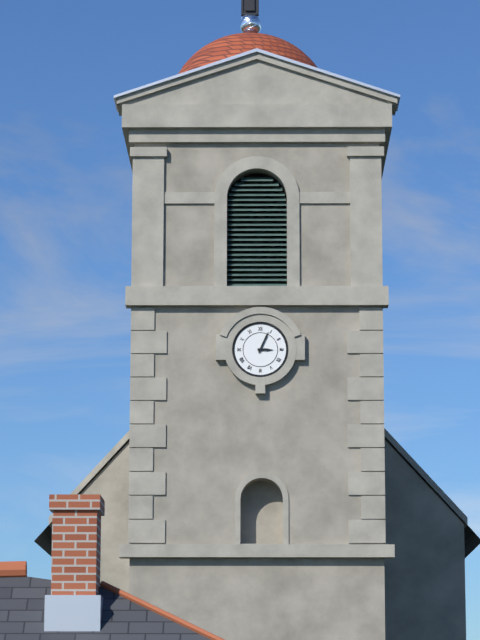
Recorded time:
3,04
